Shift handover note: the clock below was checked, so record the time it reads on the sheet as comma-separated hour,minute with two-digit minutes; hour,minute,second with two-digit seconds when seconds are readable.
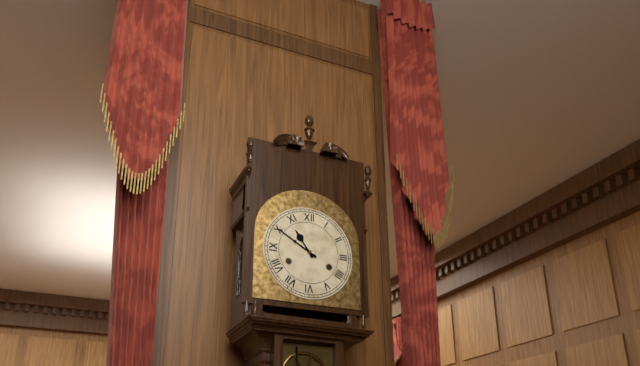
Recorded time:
10,50
